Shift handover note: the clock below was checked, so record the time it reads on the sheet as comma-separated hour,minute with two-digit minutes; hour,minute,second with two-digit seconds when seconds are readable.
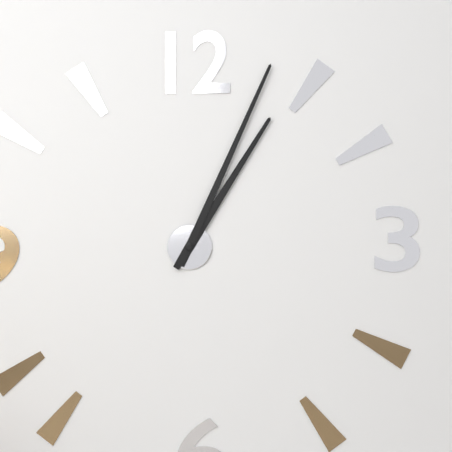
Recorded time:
1,04
